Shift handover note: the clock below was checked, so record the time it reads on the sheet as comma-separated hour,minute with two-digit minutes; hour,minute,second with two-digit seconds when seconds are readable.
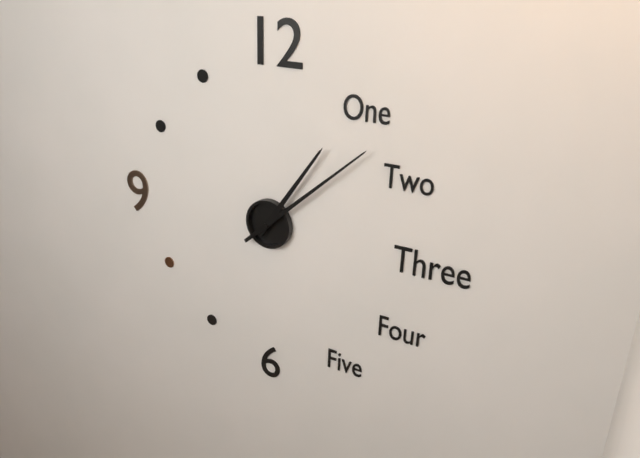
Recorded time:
1,08
